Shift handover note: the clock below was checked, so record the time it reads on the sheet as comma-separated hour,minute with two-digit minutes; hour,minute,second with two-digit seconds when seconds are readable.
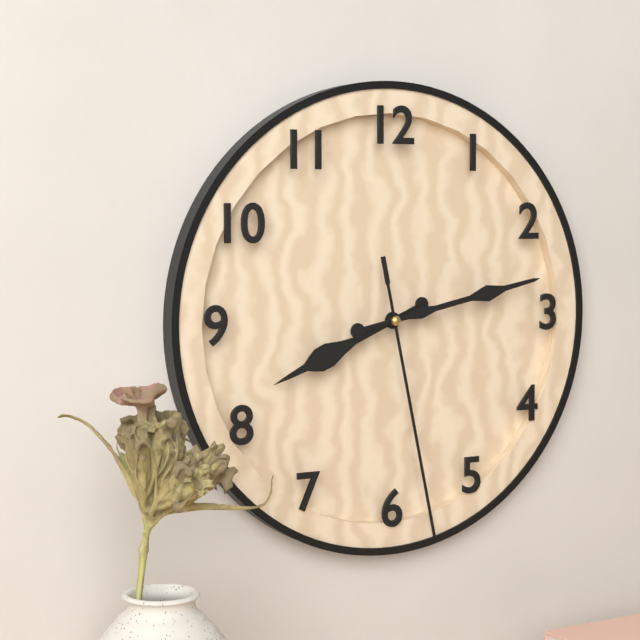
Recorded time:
8,13,28
